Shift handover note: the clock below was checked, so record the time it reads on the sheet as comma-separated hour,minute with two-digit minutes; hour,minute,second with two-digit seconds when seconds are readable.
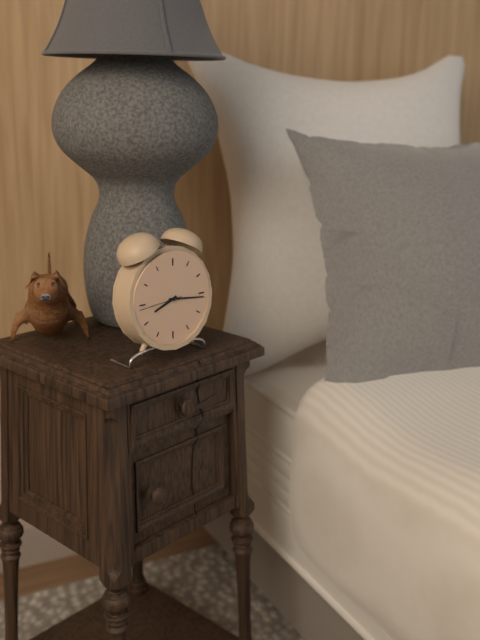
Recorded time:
8,16
